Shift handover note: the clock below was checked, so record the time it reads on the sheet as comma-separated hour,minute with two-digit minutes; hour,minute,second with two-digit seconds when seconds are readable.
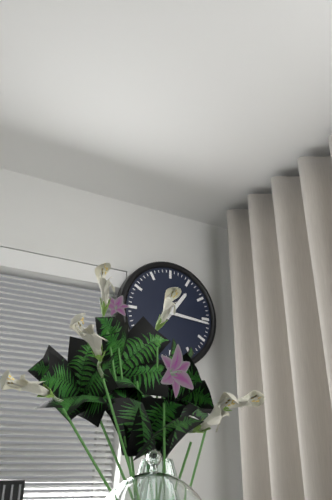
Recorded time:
1,16
